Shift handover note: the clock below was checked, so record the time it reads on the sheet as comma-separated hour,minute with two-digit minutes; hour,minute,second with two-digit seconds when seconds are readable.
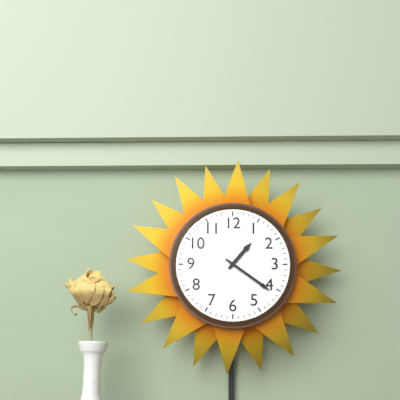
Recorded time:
1,21
